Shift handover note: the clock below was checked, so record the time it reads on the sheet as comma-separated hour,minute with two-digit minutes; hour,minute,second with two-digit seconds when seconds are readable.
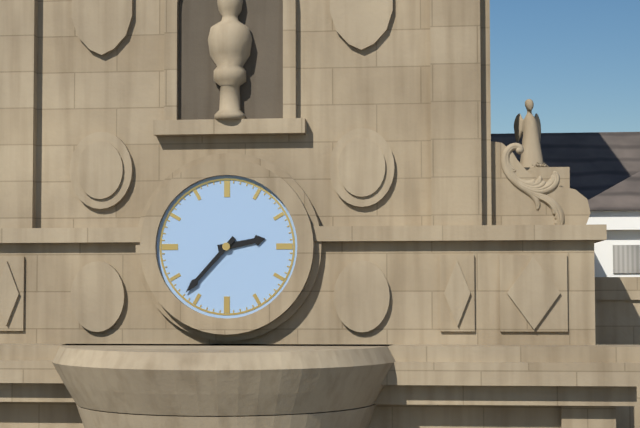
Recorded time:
2,37
